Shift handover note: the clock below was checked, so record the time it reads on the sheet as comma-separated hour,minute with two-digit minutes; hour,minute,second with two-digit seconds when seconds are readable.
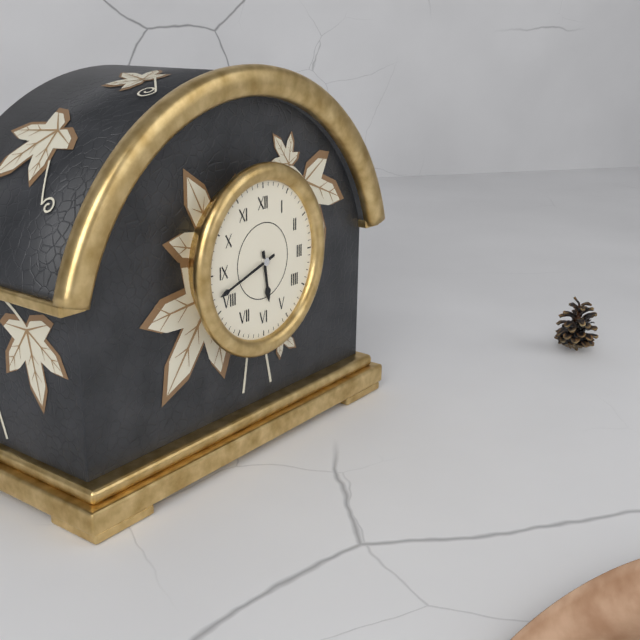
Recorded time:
5,42
